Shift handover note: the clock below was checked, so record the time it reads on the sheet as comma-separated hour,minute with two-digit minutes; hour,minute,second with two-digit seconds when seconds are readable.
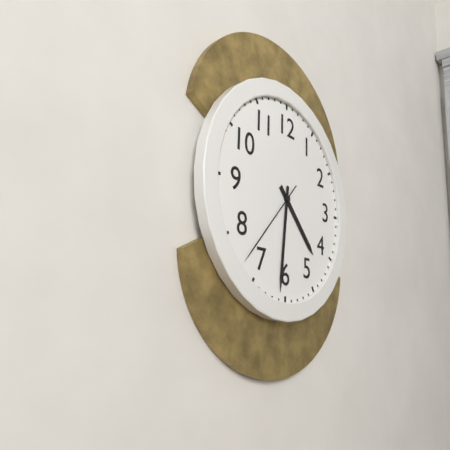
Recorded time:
4,31,37
